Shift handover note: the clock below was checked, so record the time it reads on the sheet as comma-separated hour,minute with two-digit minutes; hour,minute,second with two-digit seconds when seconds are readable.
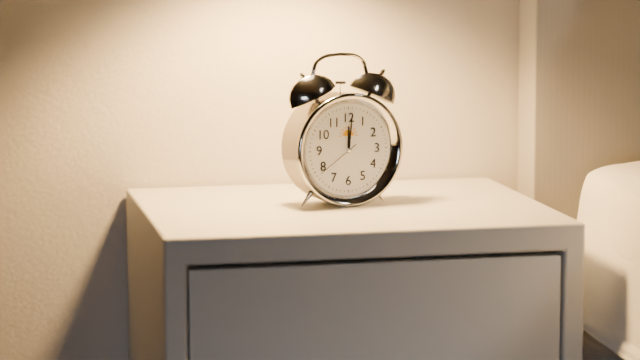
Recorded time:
12,01
